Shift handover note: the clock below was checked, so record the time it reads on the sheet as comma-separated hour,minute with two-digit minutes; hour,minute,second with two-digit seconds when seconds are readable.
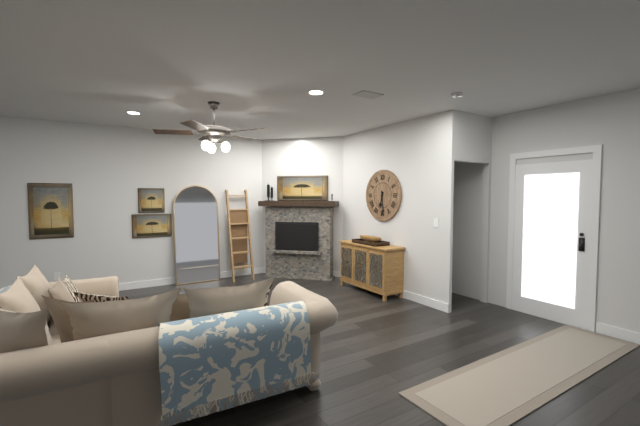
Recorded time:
6,29
